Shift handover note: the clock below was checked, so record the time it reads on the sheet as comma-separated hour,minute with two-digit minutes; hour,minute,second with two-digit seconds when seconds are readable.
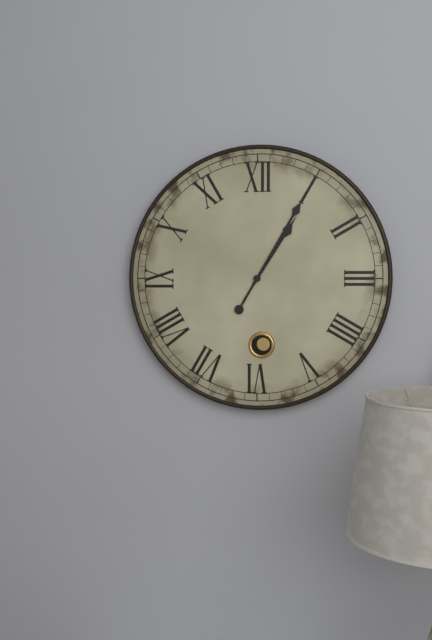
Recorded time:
1,05
